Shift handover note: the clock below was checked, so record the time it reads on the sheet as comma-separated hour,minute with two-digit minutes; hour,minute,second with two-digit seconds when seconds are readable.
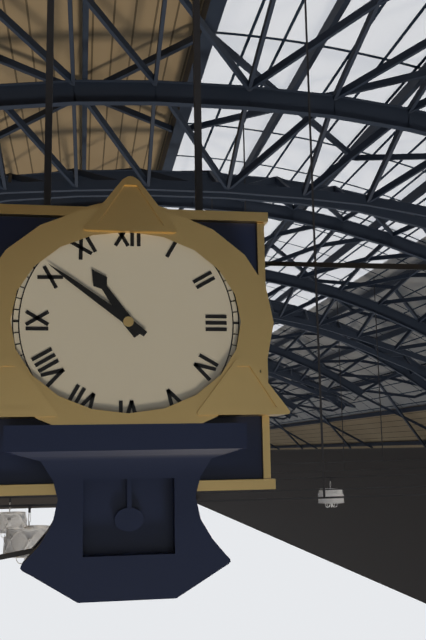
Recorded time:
10,51
